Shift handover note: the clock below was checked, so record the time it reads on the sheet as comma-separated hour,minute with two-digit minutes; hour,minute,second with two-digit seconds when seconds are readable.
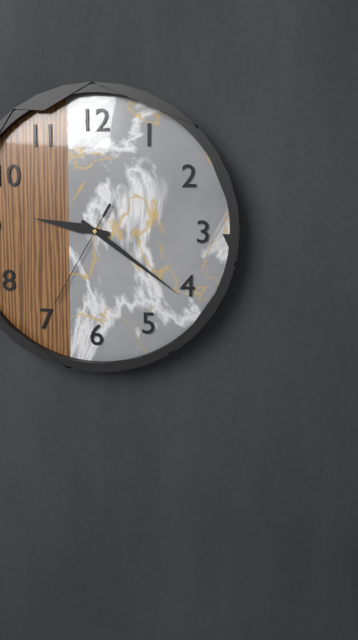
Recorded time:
9,21,35
